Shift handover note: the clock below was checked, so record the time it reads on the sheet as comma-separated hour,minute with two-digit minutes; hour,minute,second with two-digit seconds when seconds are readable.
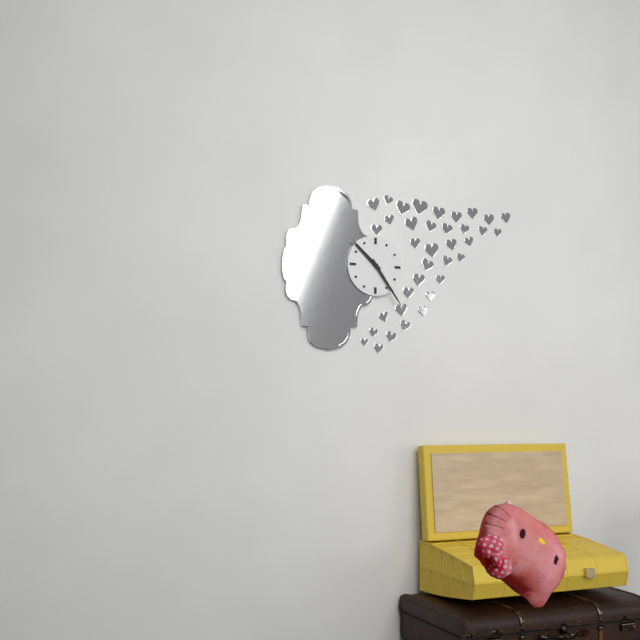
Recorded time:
10,24
